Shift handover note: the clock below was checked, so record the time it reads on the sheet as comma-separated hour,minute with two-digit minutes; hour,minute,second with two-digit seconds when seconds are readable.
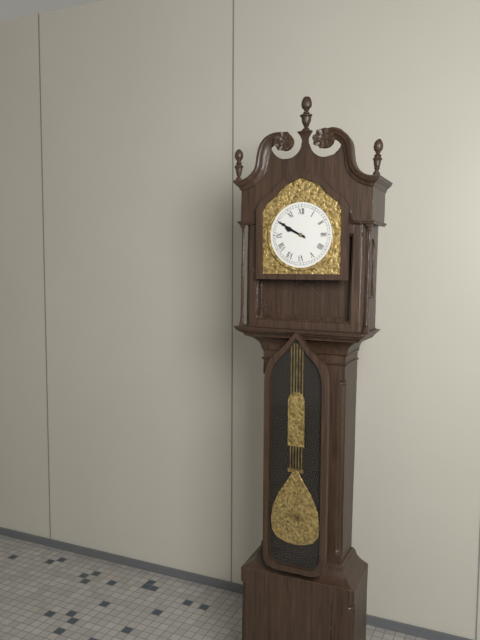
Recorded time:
9,50
